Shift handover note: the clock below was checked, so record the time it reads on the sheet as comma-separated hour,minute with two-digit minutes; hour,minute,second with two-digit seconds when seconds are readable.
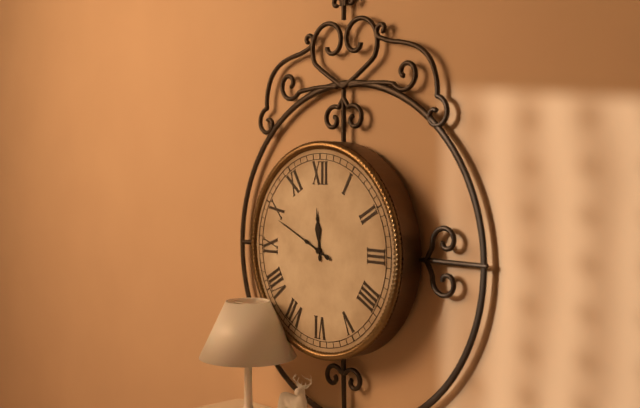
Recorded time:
11,49
